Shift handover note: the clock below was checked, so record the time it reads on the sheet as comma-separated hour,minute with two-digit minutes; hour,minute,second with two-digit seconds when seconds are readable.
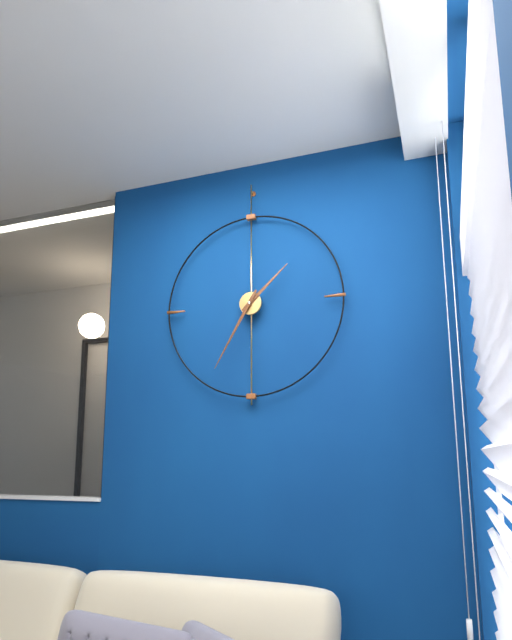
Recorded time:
1,35
